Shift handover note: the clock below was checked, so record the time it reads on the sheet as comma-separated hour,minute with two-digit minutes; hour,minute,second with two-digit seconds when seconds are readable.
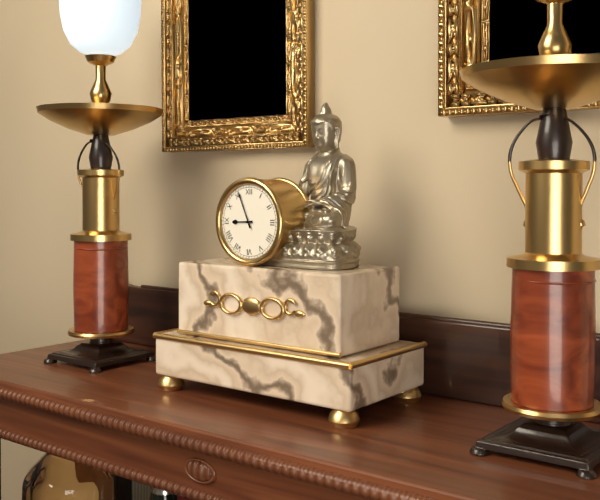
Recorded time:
8,56
